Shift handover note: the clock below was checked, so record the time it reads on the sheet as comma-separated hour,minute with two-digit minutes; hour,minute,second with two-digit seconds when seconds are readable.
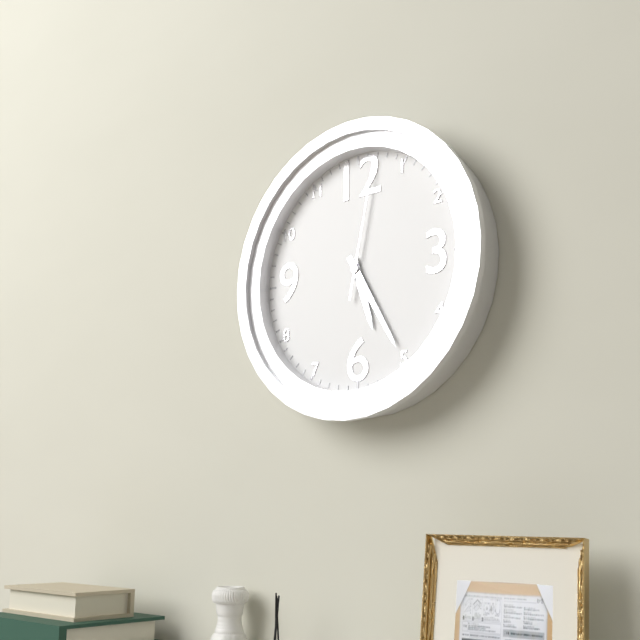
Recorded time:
5,25,02
